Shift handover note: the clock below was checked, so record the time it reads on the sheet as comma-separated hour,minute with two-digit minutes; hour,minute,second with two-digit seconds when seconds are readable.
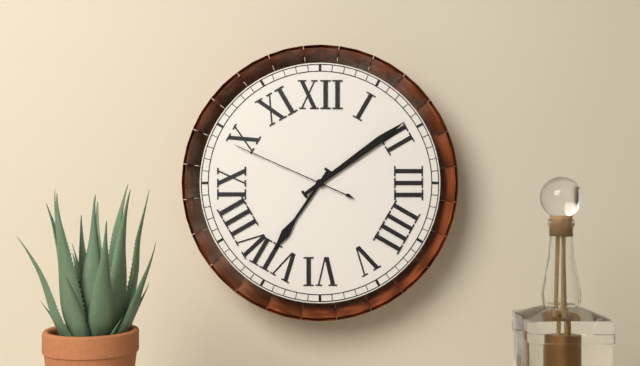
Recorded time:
7,09,49
